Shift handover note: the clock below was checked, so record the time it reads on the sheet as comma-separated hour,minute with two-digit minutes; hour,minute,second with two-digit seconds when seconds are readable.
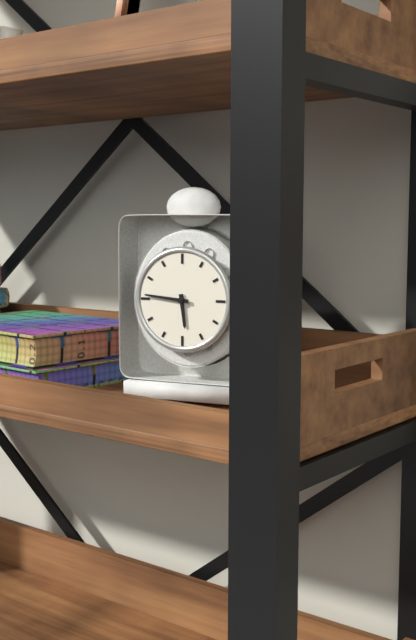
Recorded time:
5,46
